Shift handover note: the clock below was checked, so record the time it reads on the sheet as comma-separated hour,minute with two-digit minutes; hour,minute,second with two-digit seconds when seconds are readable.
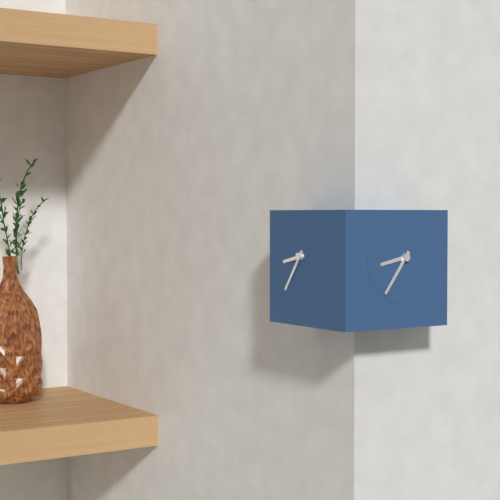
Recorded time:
8,36
